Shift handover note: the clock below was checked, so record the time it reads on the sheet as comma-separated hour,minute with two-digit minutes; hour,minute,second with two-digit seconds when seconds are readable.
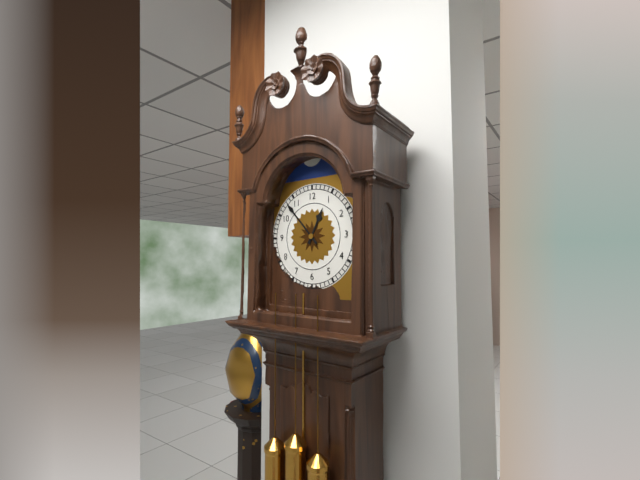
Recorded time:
12,53
